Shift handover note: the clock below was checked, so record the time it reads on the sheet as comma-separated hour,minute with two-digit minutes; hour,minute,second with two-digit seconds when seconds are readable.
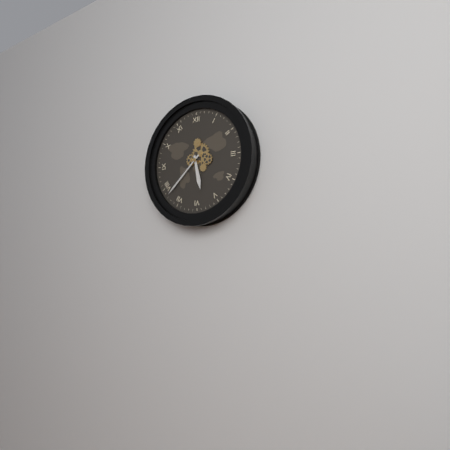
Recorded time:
5,38
